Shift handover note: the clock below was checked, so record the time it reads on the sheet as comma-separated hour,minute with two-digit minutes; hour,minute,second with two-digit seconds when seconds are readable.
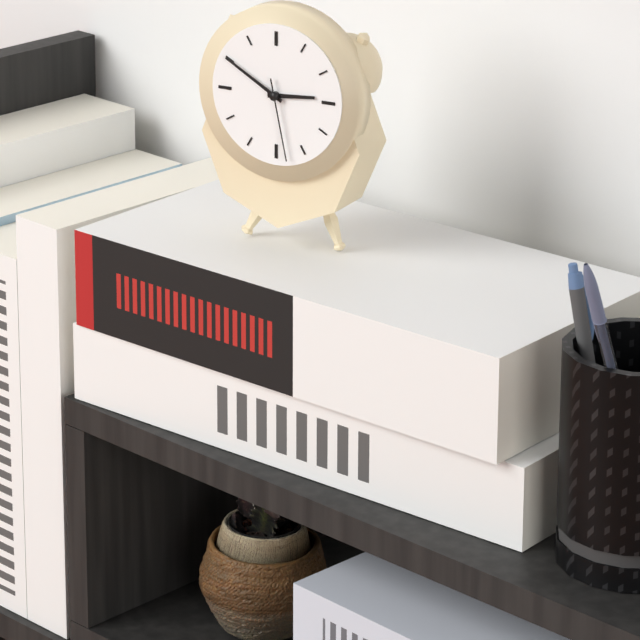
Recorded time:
2,50,28
